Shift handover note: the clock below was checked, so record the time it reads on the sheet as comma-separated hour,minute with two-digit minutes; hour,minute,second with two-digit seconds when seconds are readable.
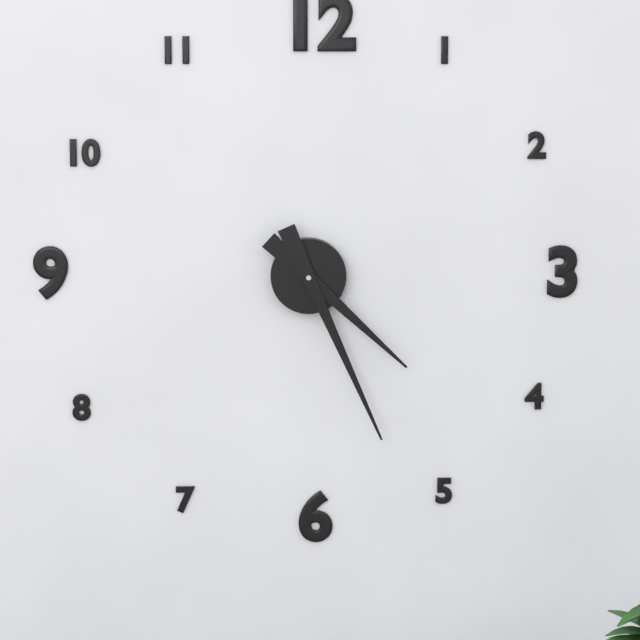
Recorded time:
4,26
